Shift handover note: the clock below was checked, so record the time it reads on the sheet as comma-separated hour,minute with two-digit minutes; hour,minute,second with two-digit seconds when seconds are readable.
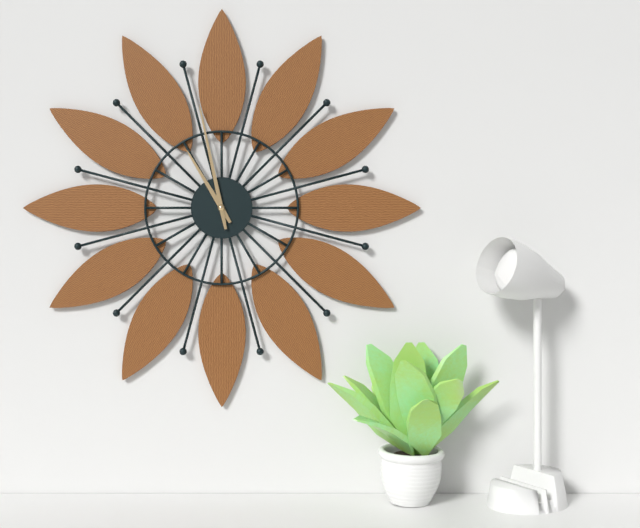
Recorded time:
10,58
